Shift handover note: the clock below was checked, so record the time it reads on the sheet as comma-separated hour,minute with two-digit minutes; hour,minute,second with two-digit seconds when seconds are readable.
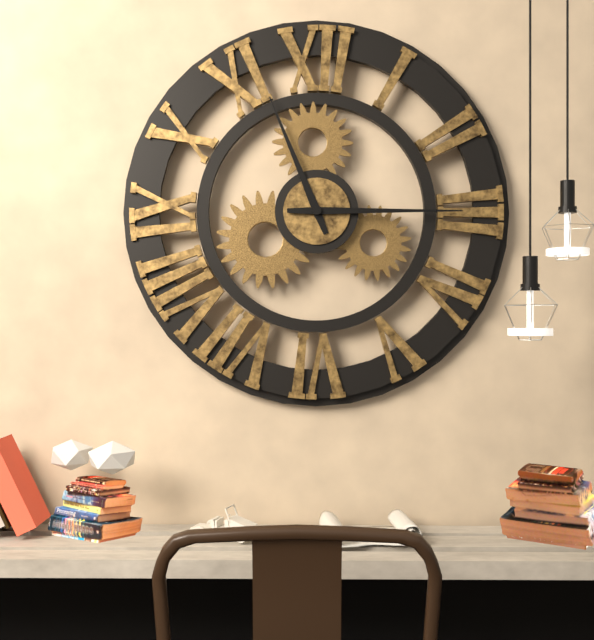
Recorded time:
11,15
